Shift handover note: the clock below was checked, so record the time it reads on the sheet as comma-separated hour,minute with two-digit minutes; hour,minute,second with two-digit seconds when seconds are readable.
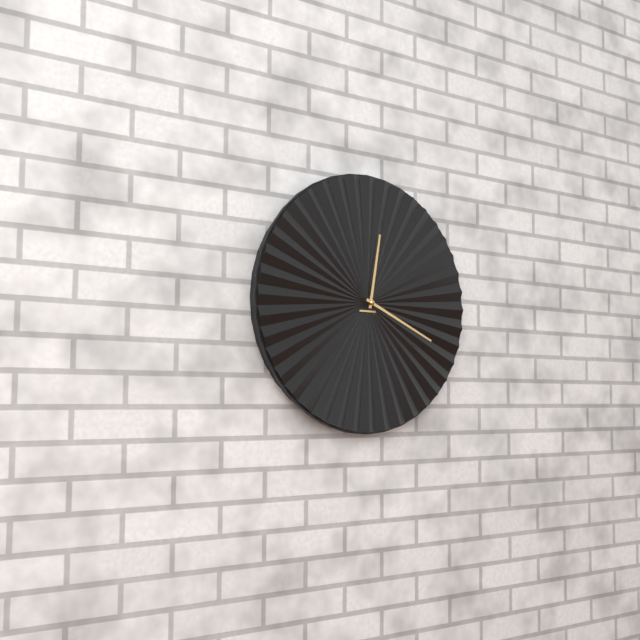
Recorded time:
12,19
